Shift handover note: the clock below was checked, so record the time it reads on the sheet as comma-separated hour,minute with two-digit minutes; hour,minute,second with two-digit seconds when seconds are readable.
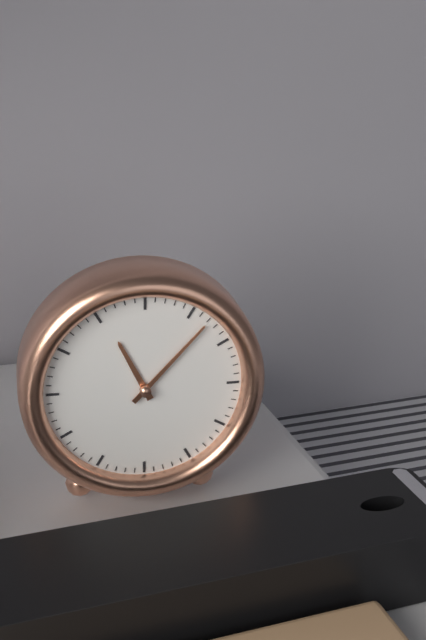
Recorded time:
11,07
